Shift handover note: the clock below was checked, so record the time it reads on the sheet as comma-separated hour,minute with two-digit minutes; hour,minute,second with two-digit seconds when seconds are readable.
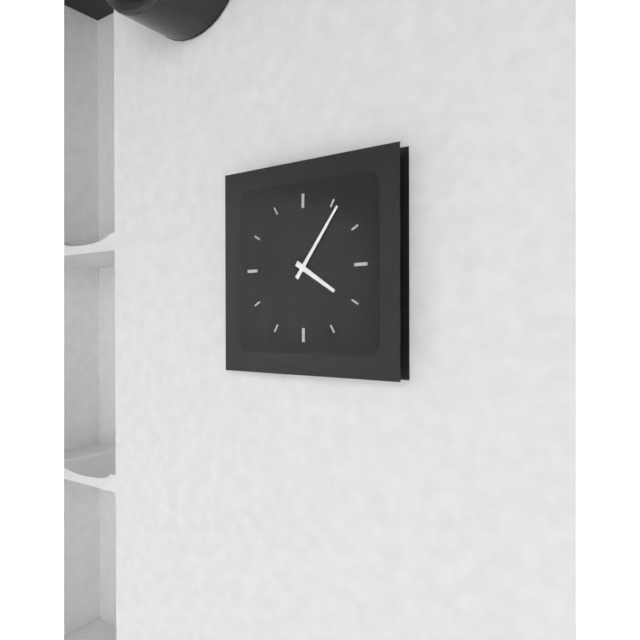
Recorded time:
4,06
